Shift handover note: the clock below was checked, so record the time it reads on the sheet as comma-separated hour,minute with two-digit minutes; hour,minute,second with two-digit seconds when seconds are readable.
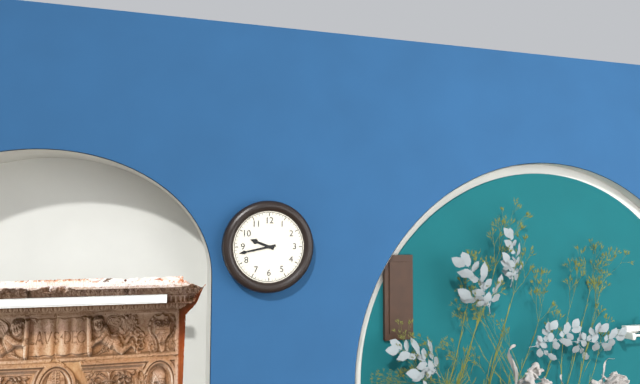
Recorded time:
9,43
